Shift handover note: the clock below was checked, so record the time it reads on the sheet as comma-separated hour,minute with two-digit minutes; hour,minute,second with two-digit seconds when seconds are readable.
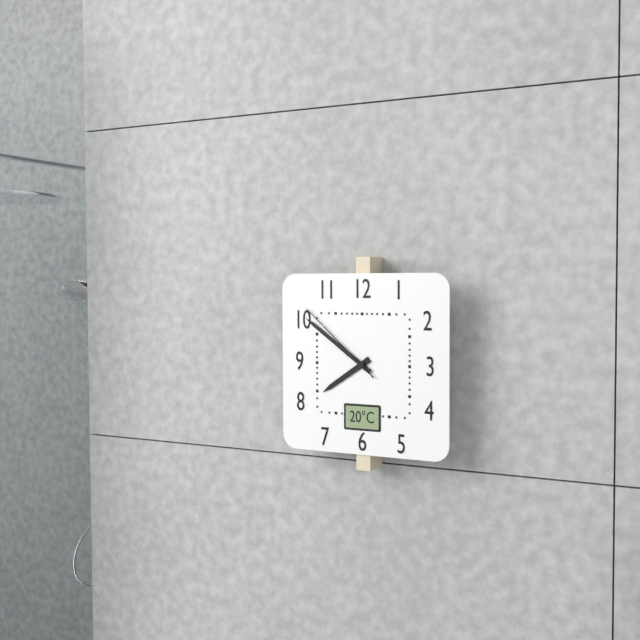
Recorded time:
7,51,52
